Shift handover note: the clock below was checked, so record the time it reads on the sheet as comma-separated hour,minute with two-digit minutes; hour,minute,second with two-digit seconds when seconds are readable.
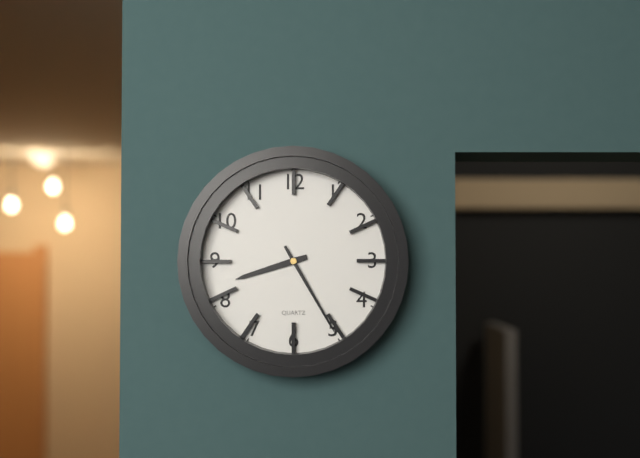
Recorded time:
8,25
